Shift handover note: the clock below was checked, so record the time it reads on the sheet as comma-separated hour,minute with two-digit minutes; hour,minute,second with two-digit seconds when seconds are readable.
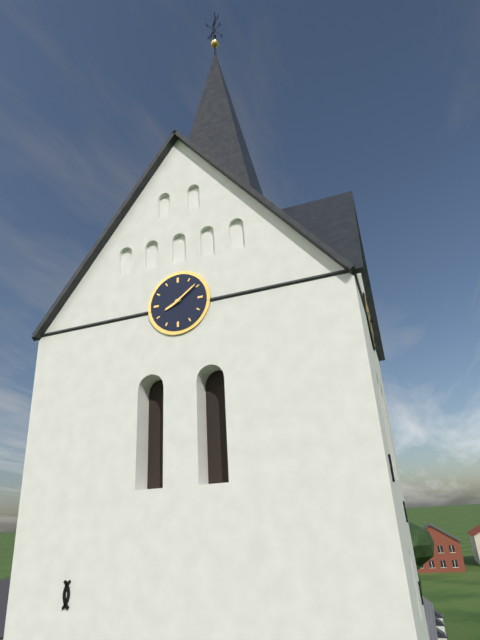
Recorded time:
8,09
